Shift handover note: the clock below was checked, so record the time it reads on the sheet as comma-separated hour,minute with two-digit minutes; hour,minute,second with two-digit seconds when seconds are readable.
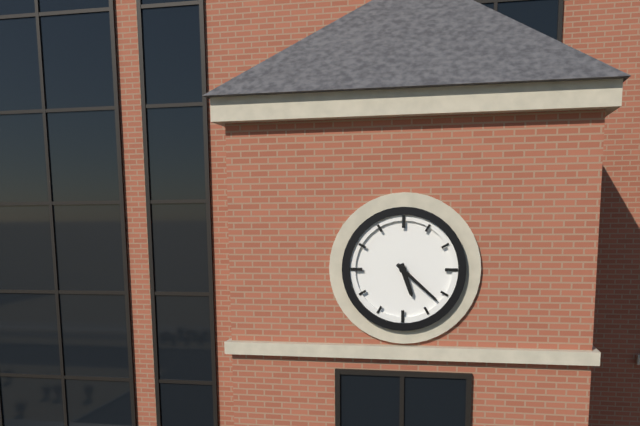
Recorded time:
5,22
